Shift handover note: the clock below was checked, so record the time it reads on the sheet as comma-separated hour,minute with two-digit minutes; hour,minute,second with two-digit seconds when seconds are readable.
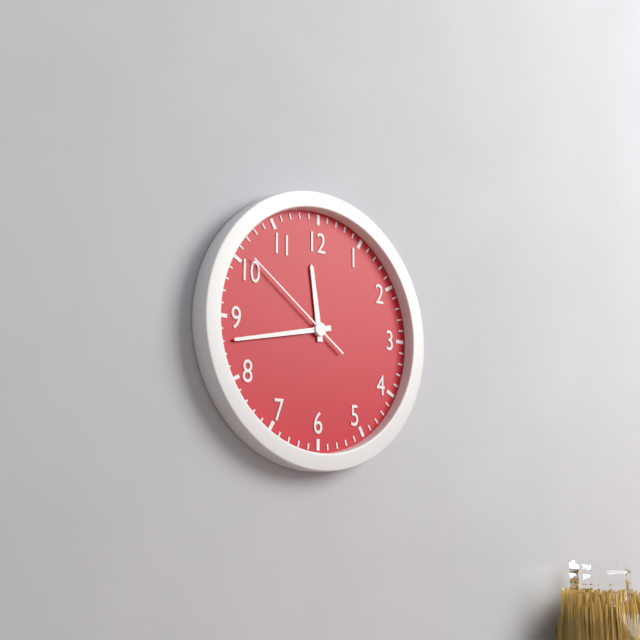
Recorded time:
11,43,51
